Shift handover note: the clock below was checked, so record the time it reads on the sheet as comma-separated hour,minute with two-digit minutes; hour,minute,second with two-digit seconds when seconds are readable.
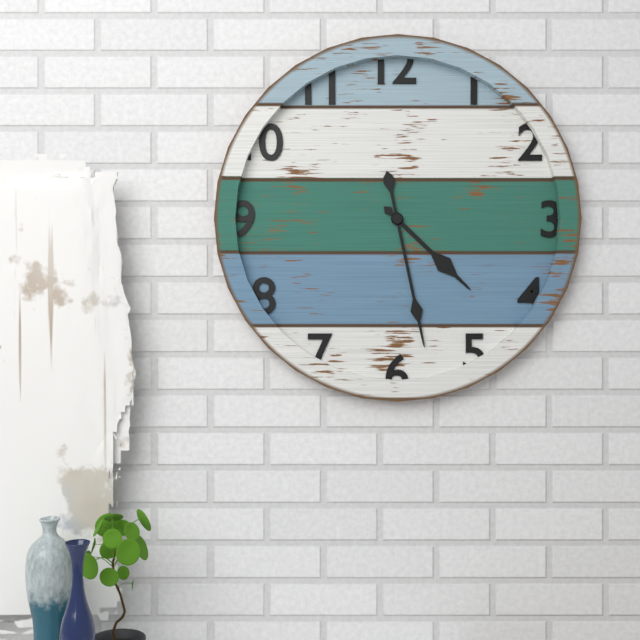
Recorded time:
4,28
